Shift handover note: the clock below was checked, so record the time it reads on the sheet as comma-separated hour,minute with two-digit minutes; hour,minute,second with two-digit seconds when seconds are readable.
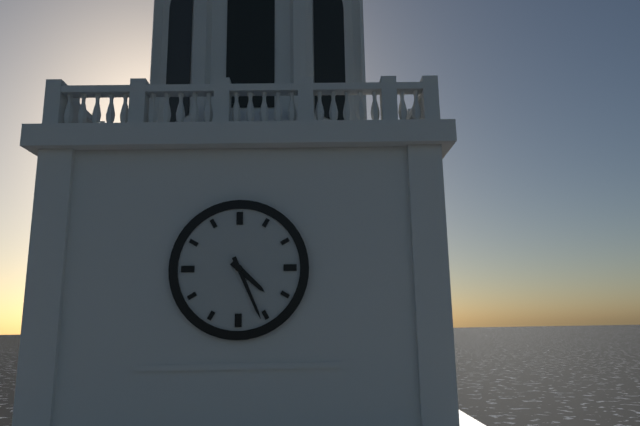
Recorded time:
4,26
